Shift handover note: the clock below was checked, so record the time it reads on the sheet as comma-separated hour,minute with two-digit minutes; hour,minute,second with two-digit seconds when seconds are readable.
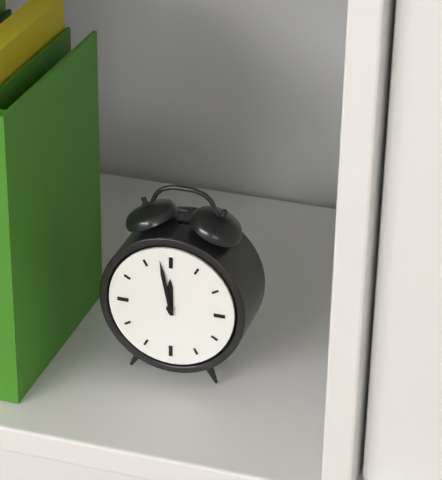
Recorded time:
11,58
